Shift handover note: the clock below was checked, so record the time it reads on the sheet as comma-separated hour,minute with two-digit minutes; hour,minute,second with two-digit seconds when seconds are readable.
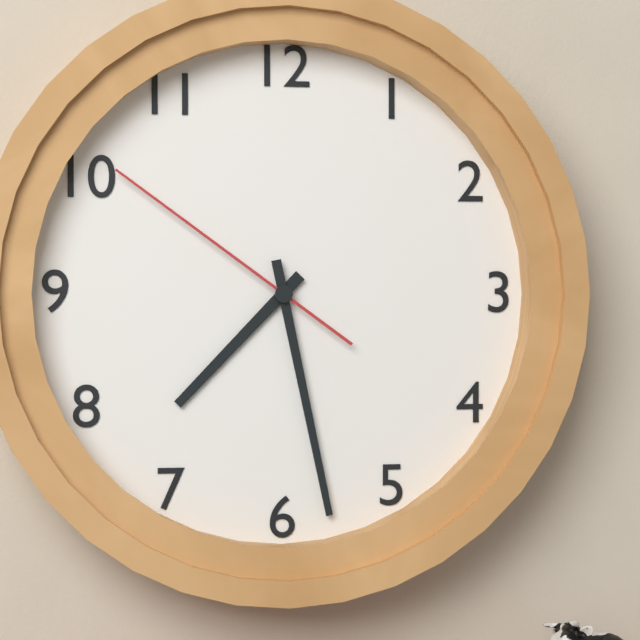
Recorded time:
7,28,51
